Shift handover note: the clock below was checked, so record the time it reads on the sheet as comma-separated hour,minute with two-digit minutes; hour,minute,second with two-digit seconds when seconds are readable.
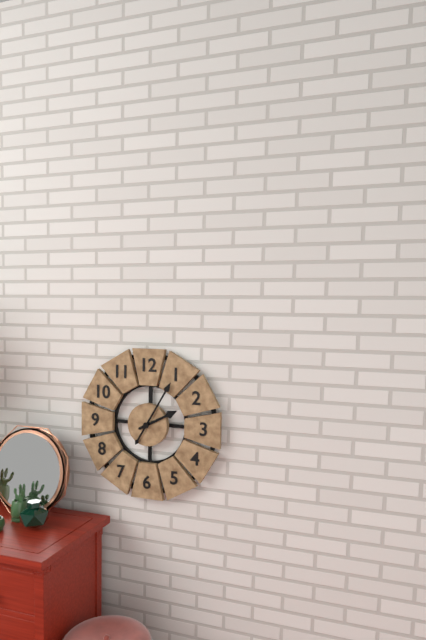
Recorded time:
2,05
